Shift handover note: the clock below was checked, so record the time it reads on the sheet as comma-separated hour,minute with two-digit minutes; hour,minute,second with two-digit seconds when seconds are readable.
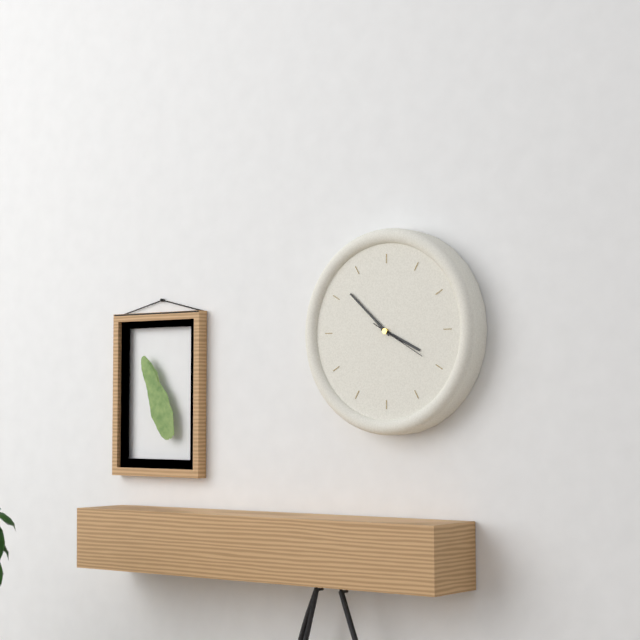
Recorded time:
3,52,20
